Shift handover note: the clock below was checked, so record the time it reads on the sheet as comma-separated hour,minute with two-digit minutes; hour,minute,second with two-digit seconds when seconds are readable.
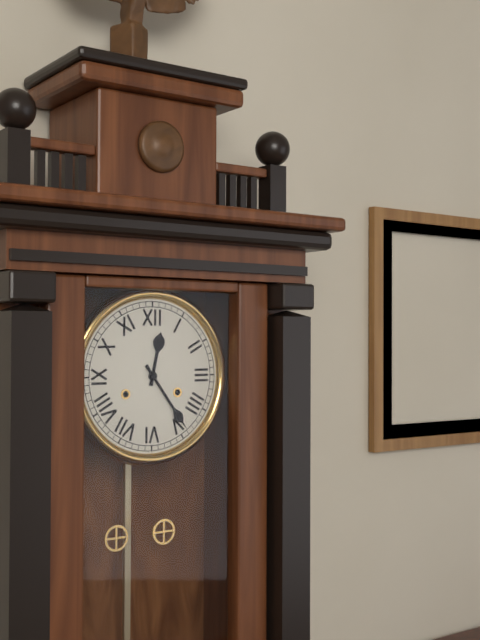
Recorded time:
12,24
